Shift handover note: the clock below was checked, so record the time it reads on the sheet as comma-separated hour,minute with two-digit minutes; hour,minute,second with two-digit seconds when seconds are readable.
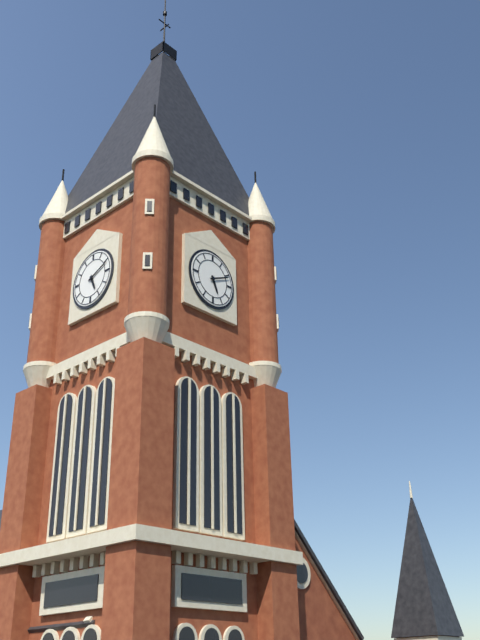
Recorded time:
5,11
